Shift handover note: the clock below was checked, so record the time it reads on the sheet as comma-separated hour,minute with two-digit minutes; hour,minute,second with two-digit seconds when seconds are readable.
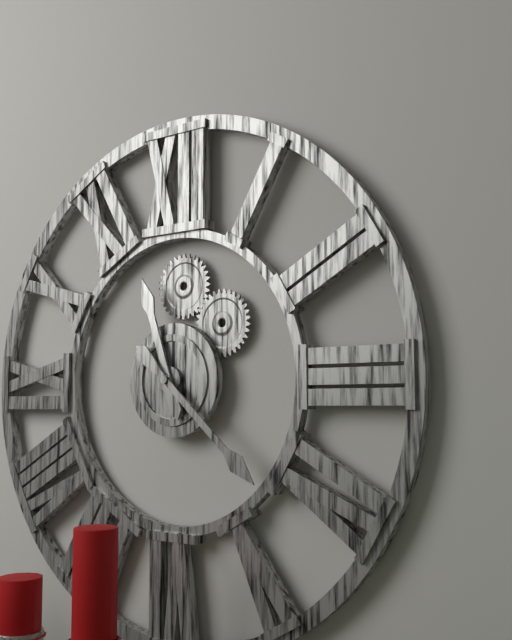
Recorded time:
11,22
